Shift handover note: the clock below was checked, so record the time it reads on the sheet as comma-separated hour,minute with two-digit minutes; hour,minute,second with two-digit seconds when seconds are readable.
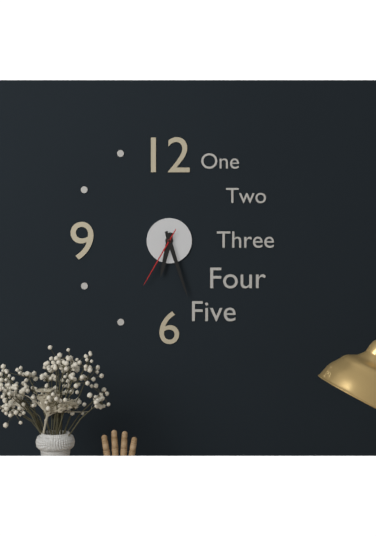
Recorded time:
6,27,35
